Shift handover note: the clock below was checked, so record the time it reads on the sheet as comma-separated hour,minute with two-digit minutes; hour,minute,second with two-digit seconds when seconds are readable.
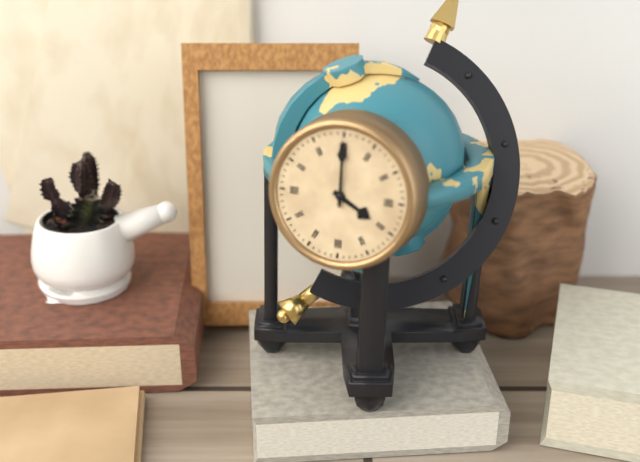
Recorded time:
4,00
